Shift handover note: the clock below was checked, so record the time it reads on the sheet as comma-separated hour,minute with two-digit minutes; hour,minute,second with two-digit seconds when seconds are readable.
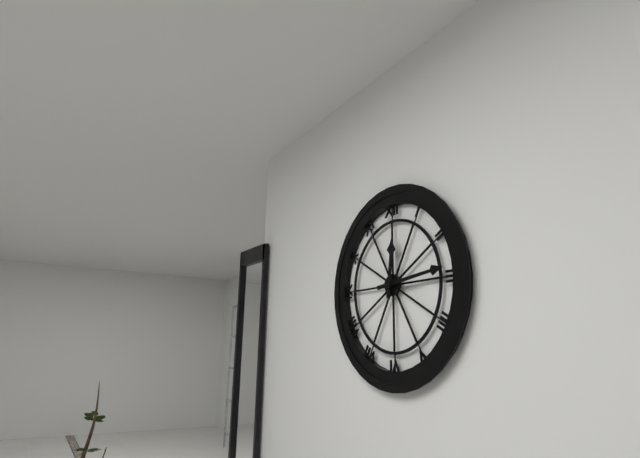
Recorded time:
12,14
